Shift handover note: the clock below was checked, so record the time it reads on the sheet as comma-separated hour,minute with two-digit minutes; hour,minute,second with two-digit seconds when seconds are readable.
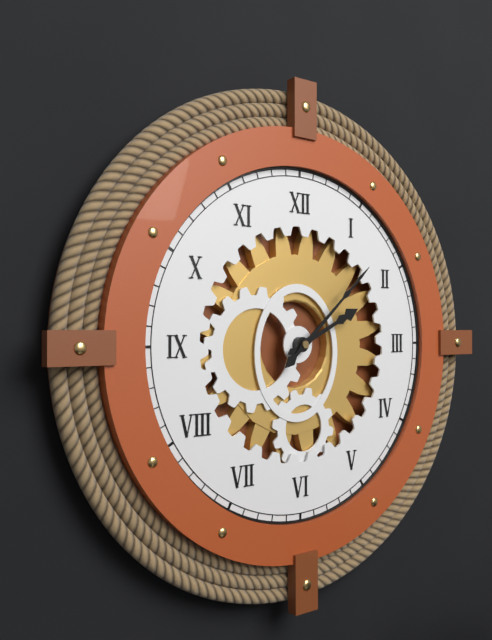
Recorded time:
2,08
